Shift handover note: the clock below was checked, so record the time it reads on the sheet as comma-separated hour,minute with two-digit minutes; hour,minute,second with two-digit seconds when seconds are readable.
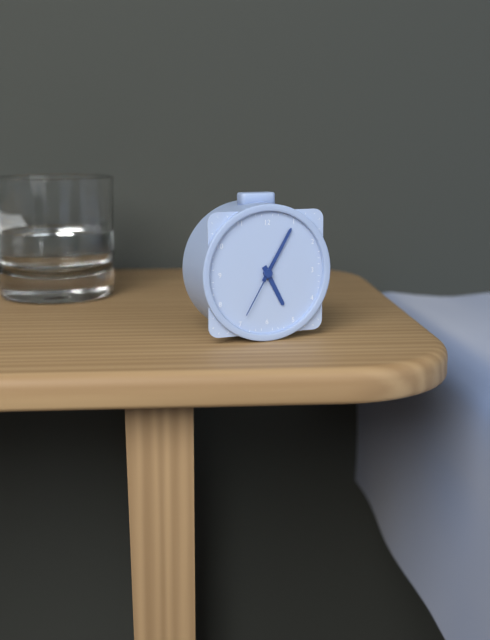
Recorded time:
5,05,35
